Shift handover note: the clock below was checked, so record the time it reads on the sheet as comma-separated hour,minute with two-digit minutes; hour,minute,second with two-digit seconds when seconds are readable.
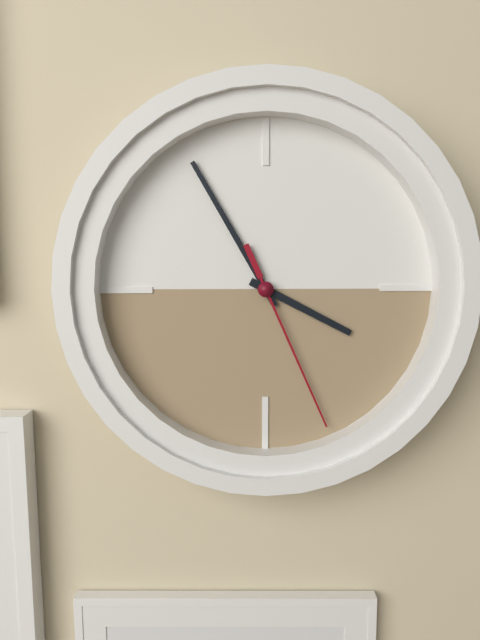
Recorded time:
3,55,26
